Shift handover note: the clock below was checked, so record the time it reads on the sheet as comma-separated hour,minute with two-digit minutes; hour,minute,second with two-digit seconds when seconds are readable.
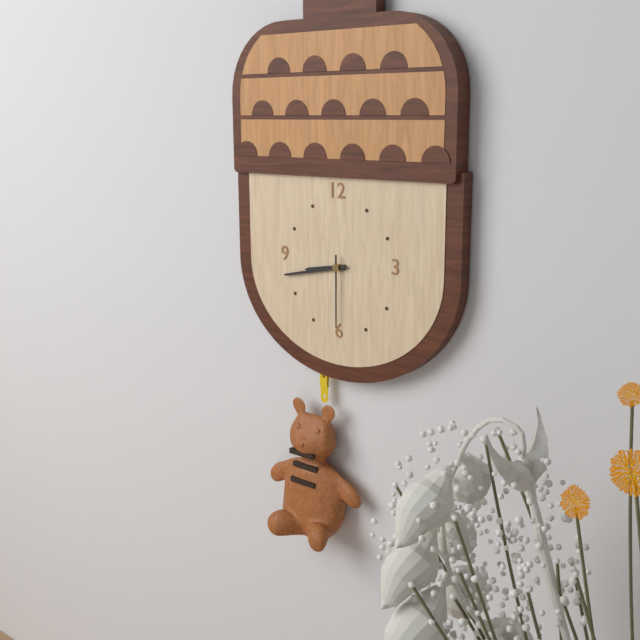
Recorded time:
8,43,30
